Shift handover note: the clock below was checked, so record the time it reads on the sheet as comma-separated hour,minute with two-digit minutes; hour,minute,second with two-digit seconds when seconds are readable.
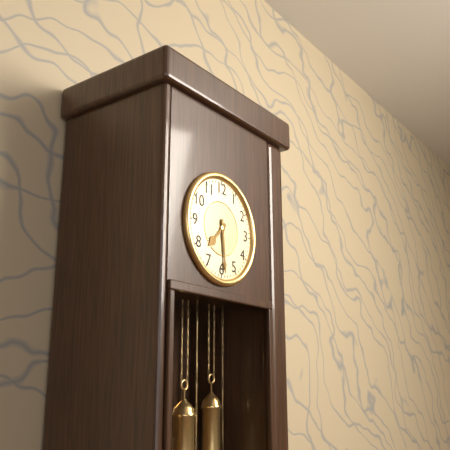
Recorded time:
7,29
